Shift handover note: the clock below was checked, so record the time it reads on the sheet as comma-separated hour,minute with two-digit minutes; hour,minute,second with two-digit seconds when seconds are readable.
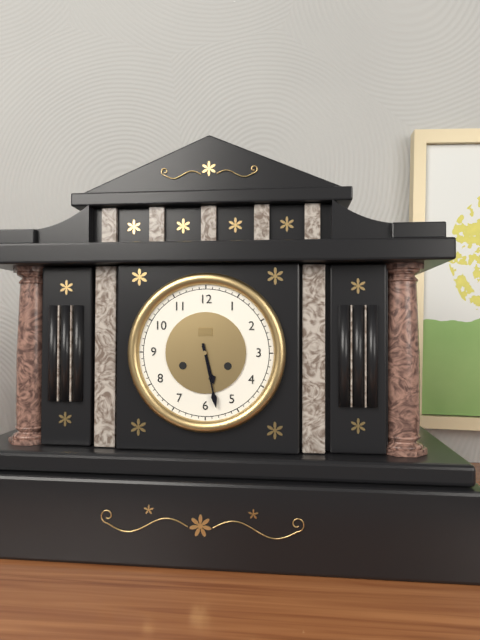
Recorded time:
5,28
